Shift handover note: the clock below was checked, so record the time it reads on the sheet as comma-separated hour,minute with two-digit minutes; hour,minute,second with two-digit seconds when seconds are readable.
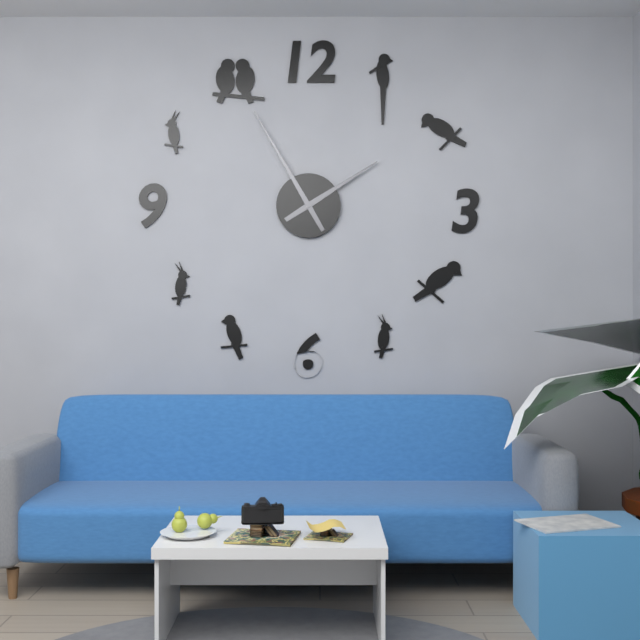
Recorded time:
1,55
